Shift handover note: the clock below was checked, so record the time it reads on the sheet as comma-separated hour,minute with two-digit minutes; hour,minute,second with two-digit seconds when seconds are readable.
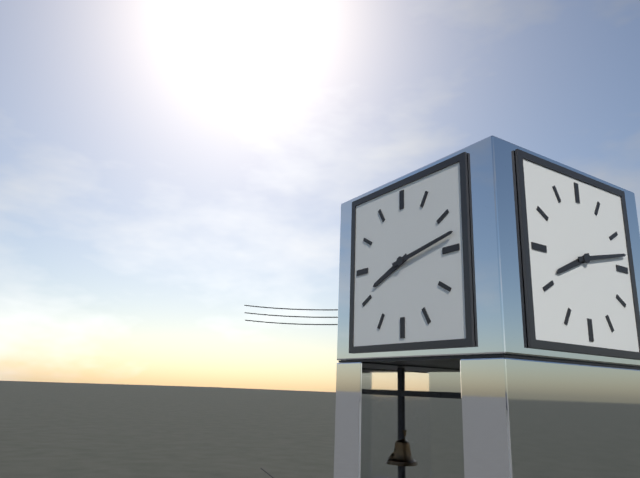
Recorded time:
8,13
